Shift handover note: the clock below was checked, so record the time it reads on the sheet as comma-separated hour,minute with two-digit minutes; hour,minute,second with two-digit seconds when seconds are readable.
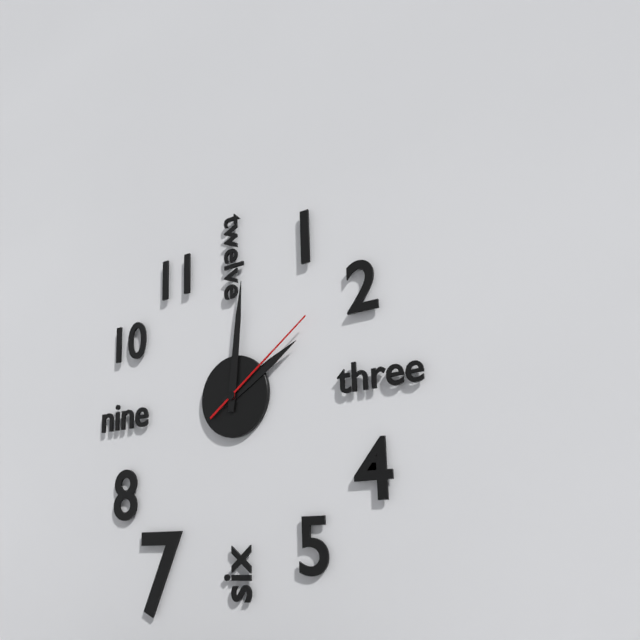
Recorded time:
2,01,09
